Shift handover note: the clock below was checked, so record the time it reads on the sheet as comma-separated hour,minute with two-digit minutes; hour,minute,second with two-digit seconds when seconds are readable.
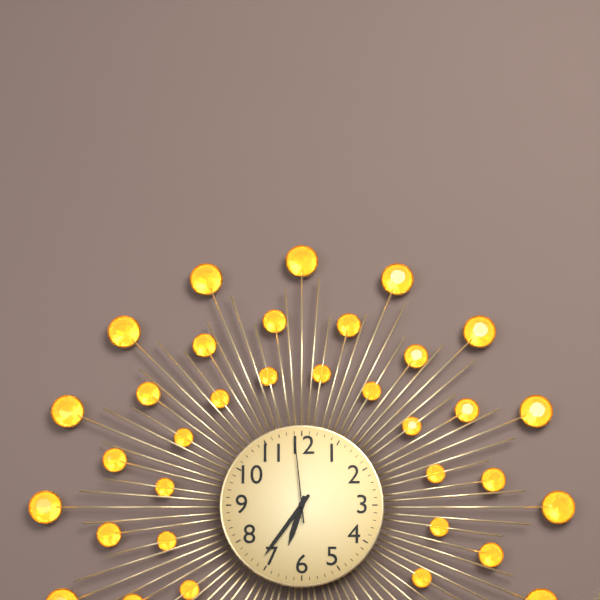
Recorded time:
6,36,59
